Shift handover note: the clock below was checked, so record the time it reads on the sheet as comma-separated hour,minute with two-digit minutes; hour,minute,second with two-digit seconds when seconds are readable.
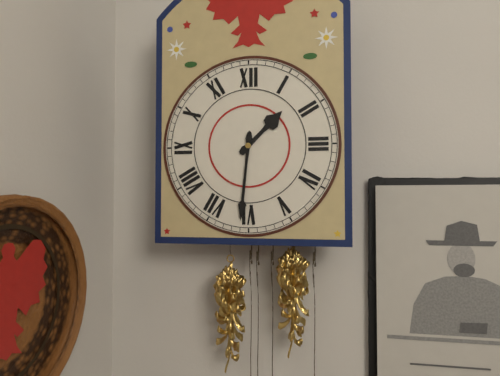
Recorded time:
1,31
